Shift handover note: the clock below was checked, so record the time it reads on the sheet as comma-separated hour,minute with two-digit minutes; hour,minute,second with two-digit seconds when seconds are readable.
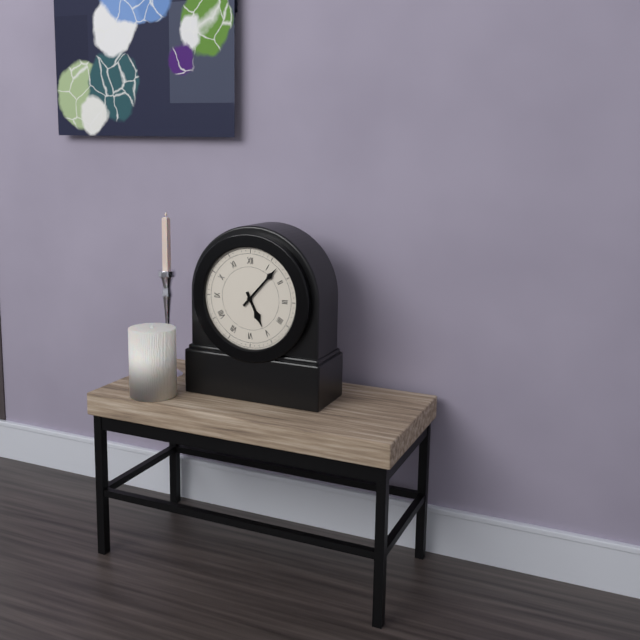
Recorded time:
5,07
